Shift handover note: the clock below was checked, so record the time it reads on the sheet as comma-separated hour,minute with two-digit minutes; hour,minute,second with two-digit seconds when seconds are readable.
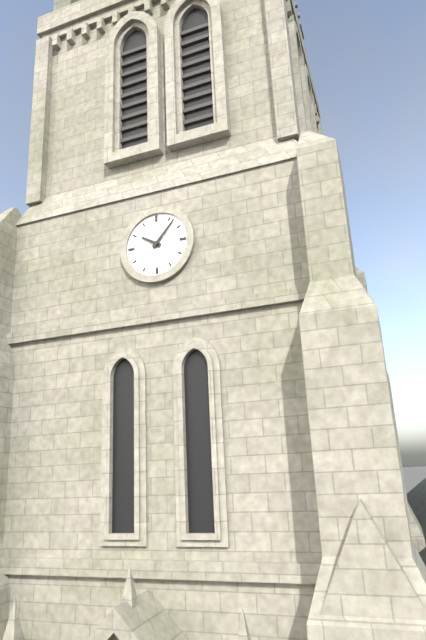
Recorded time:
10,07
